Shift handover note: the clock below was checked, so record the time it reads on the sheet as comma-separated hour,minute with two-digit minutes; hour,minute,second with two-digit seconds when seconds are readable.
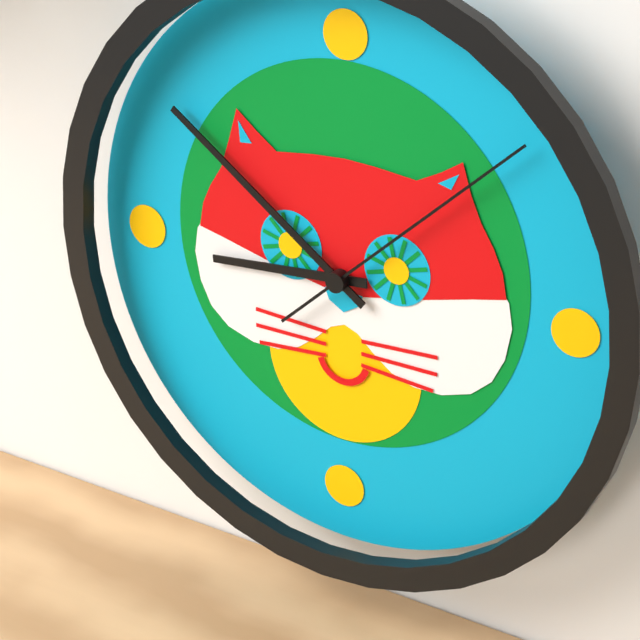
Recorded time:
8,51,08
